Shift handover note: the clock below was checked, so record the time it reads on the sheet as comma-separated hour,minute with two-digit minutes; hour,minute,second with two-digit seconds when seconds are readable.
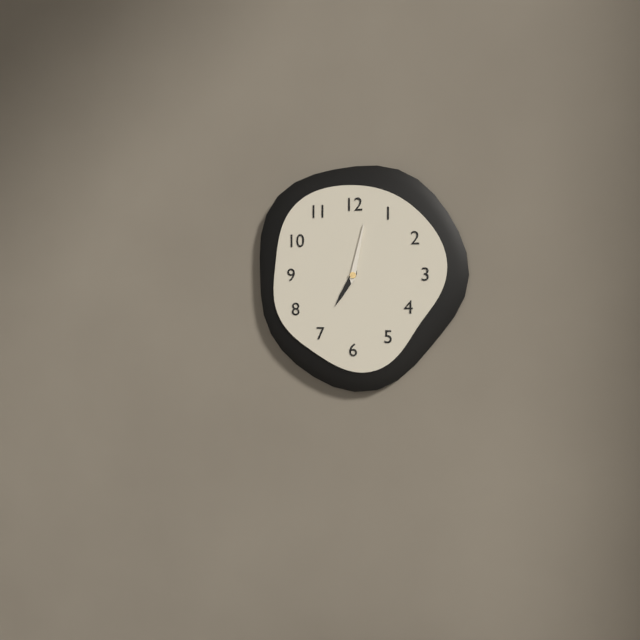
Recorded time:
7,02
